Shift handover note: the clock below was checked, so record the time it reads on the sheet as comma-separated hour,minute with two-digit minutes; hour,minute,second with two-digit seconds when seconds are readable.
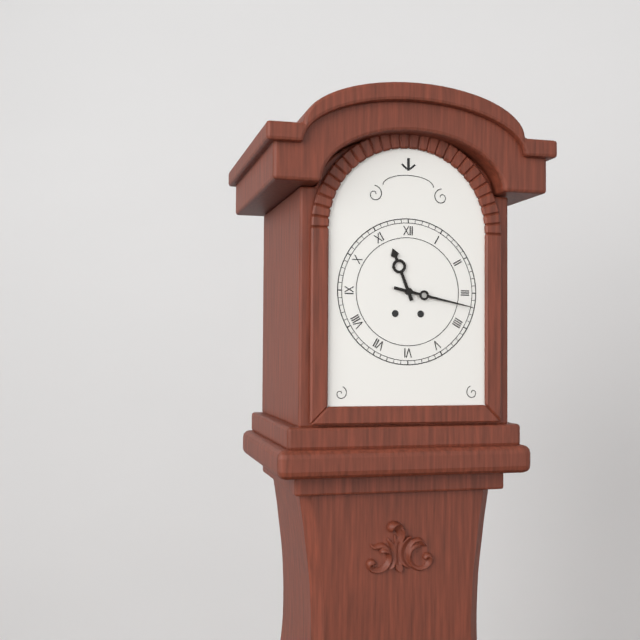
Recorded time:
11,17
